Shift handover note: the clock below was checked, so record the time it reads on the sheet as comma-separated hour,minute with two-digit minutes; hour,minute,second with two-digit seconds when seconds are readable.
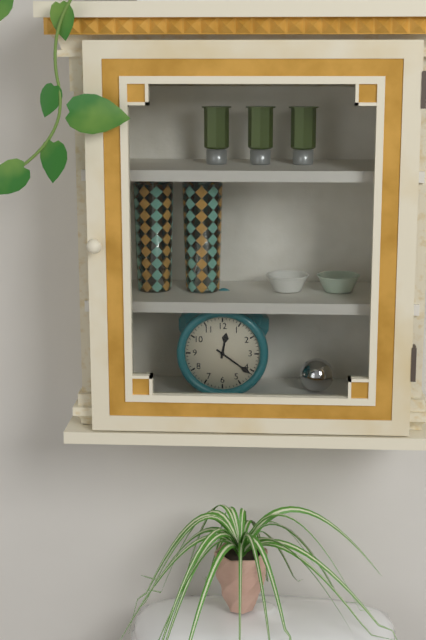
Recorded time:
12,21
